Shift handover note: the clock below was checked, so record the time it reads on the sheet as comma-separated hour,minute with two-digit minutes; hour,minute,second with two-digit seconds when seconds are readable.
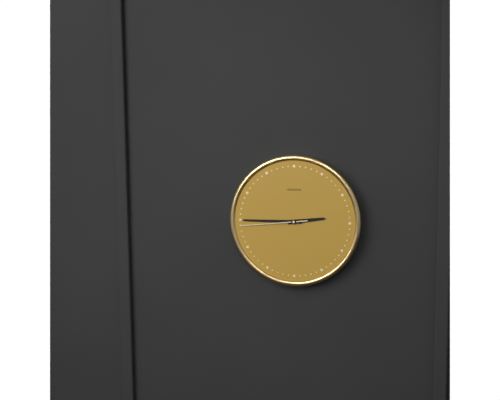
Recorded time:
2,45,44
